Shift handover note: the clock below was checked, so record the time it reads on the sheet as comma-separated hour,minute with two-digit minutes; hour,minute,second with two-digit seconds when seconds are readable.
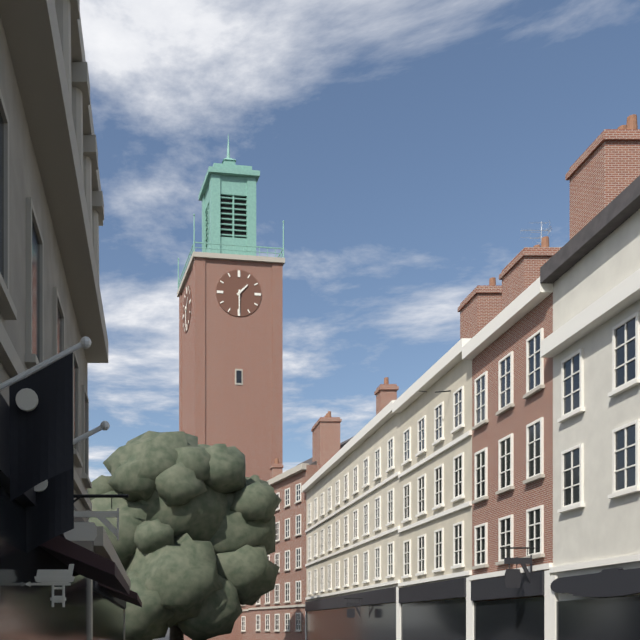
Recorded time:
1,30
